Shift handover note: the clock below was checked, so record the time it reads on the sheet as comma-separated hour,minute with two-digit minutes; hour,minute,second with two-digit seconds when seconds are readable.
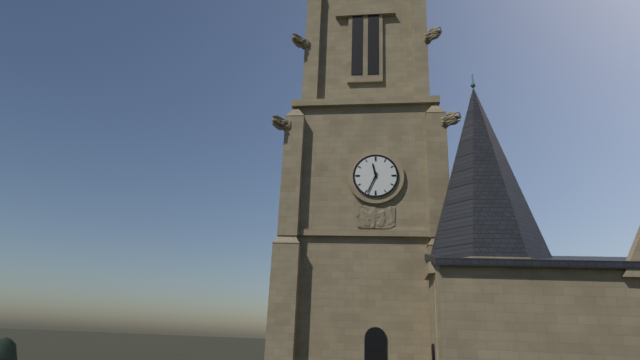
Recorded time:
11,34
